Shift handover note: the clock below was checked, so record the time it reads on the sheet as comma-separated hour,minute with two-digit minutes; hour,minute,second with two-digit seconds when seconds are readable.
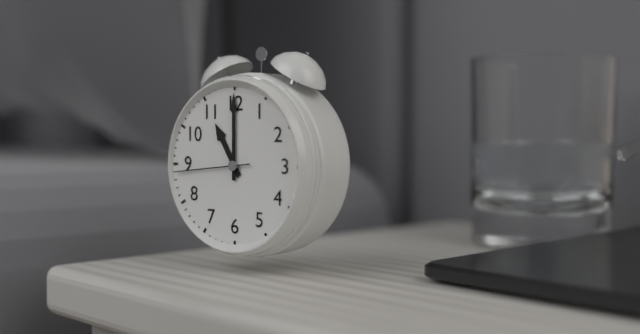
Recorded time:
11,00,44
